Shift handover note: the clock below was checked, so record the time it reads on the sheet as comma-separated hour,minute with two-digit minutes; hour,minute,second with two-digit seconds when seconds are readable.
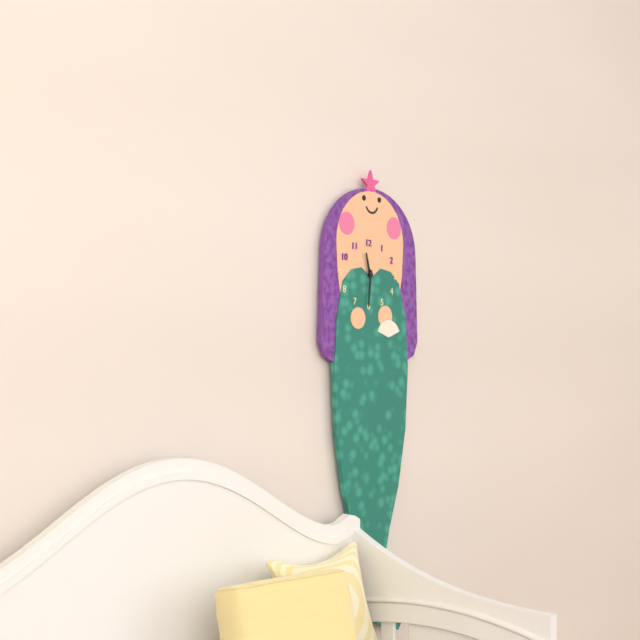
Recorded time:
11,31
